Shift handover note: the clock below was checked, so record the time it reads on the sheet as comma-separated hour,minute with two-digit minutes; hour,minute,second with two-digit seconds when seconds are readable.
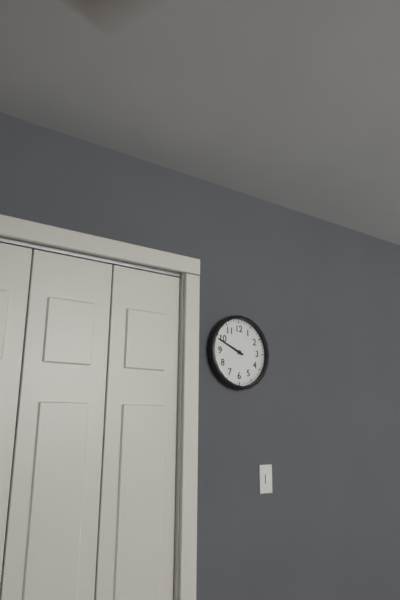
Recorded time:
9,49
